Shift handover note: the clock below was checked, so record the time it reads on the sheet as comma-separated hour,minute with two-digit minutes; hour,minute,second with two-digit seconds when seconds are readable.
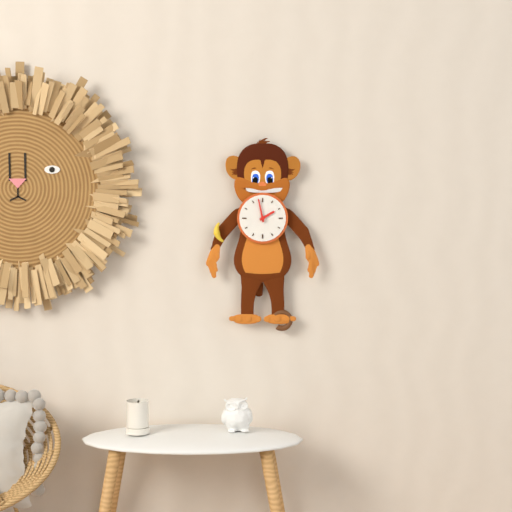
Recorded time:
1,58
